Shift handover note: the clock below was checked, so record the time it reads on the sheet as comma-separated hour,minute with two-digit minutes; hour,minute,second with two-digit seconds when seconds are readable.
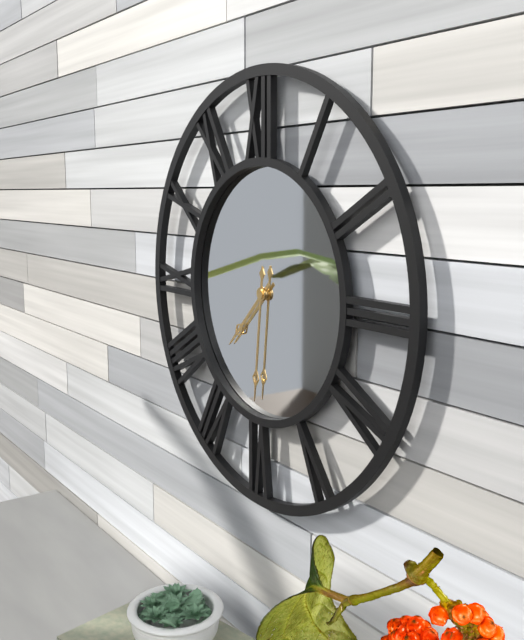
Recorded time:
7,31
